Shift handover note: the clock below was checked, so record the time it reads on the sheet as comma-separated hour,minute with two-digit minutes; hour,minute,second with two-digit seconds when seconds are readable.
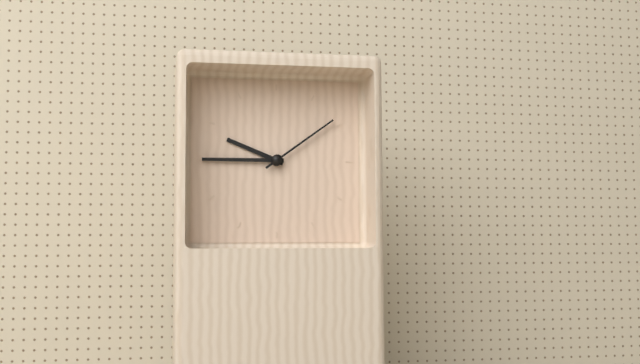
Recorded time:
9,45,09
